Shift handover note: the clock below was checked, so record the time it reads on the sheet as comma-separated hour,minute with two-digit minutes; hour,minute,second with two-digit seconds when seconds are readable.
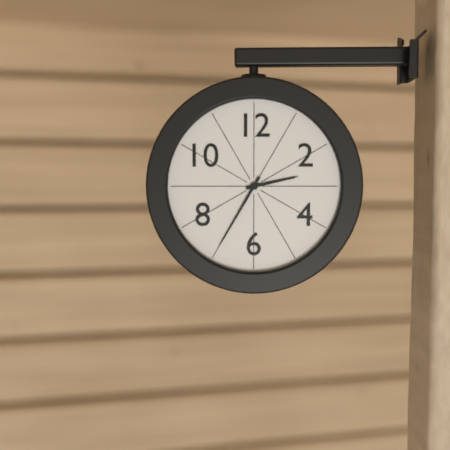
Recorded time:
2,35
